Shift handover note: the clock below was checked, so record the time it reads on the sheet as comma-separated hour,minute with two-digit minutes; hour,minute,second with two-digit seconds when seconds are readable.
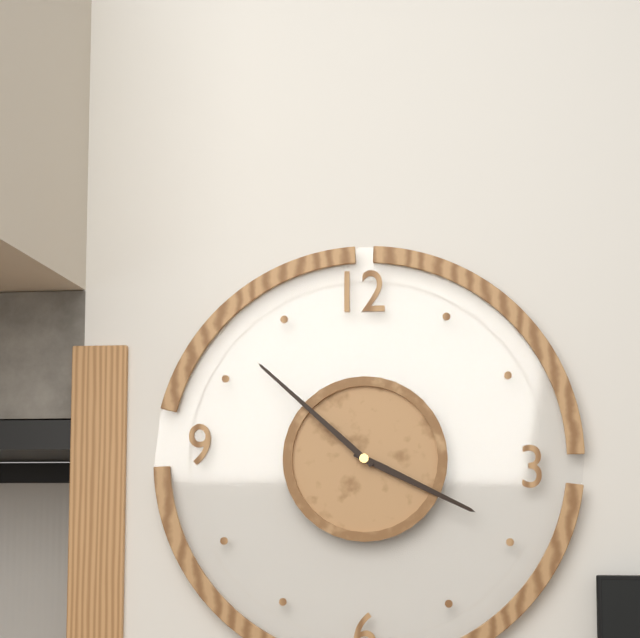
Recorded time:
3,52
